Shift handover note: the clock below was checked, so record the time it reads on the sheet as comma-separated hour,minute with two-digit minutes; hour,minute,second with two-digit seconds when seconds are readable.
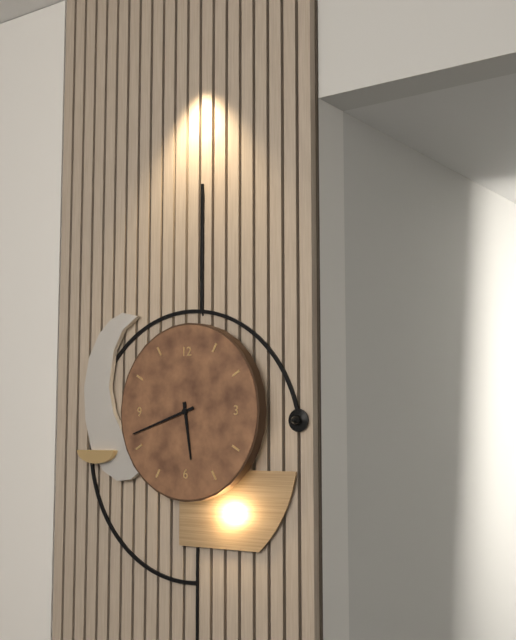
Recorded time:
5,42
